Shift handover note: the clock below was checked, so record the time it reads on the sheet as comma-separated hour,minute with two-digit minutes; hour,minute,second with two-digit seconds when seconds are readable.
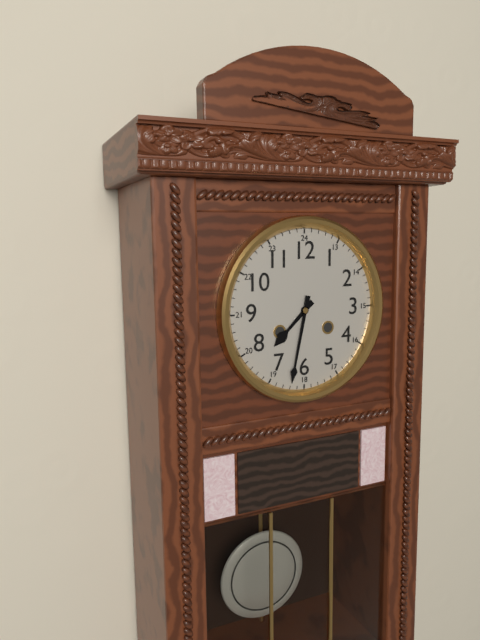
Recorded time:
7,32
